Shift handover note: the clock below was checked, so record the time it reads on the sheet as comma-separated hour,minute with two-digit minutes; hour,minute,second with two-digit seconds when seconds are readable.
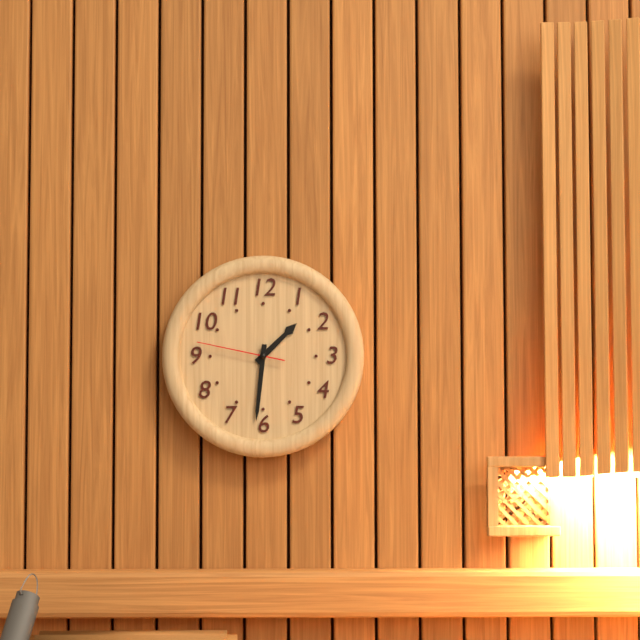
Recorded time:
1,31,47
